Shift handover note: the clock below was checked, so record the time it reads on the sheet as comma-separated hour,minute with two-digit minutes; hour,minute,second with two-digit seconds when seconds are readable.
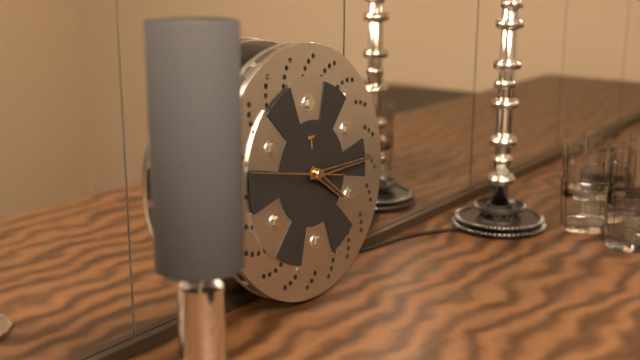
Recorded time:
4,15,47
